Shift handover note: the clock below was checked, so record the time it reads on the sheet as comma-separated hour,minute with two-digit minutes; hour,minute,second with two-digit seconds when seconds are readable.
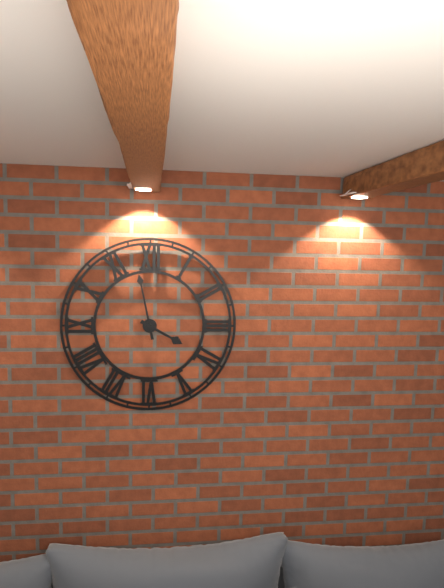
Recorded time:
3,58
